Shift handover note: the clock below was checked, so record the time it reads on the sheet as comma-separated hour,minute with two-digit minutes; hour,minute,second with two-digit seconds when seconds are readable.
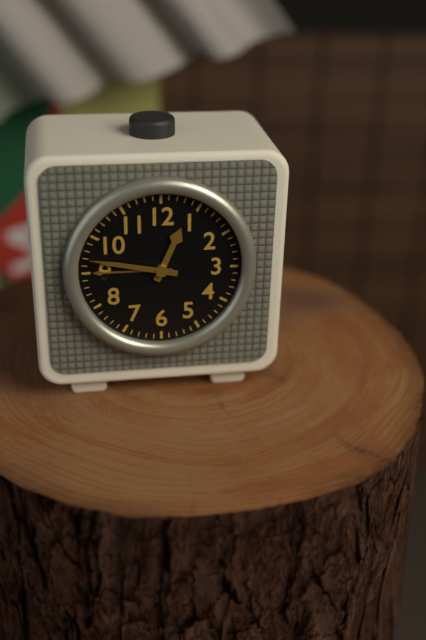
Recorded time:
12,47
